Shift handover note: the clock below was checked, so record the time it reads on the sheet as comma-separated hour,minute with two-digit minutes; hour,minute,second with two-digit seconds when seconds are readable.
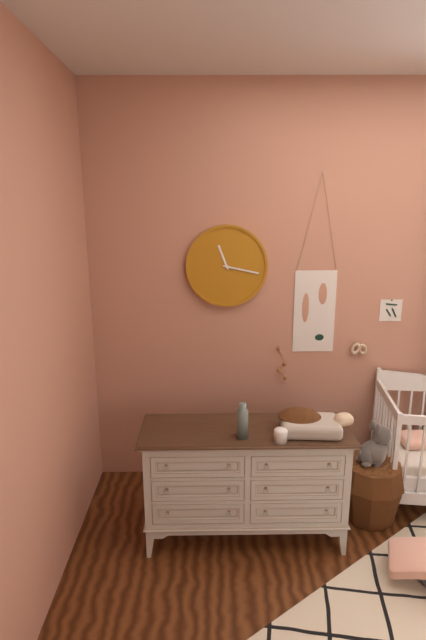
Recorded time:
11,17
